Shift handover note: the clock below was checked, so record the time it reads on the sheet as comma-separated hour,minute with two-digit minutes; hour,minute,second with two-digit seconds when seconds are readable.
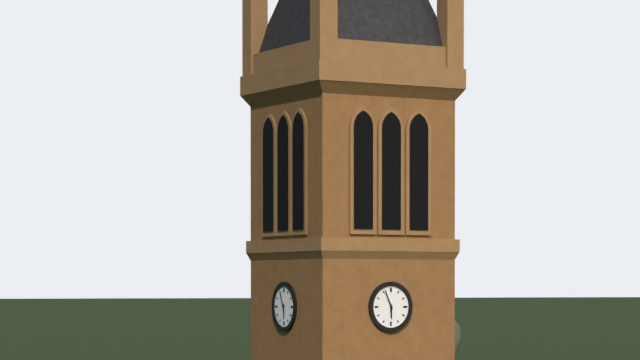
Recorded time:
5,56
